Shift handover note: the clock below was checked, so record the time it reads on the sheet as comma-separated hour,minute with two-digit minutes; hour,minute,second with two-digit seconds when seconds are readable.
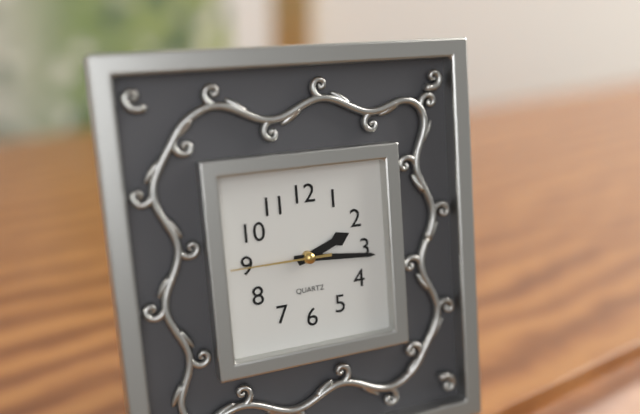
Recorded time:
2,16,45
